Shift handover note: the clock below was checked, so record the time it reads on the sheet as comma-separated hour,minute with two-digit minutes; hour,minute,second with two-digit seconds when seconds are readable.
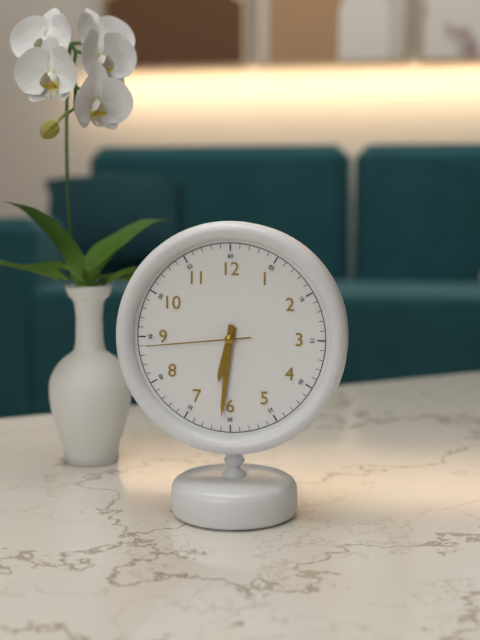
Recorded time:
6,31,44
